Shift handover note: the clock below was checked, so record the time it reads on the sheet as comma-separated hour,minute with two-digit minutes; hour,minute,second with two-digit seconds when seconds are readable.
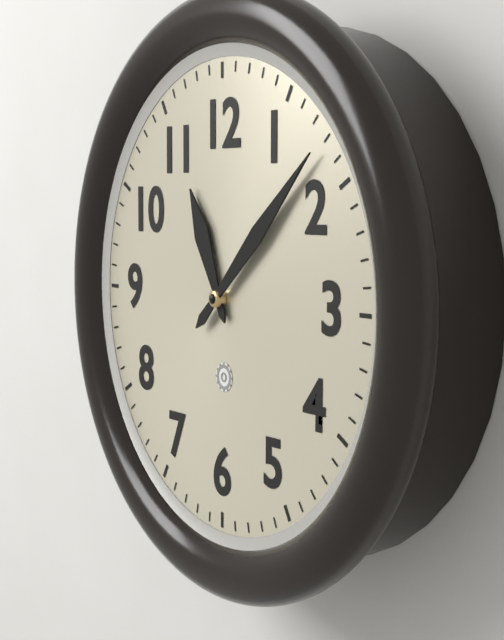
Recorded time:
11,08
